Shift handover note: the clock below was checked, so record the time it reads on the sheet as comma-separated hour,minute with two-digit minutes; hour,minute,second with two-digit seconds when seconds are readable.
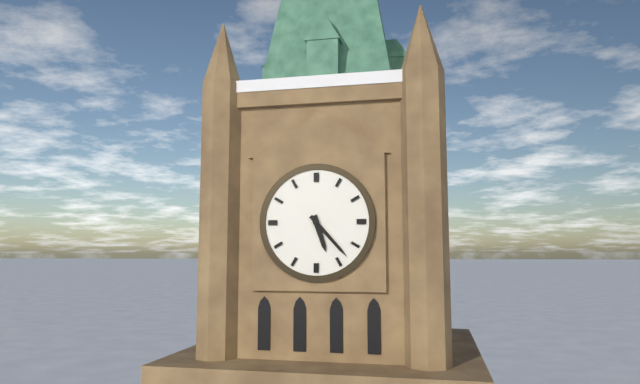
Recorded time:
5,23
